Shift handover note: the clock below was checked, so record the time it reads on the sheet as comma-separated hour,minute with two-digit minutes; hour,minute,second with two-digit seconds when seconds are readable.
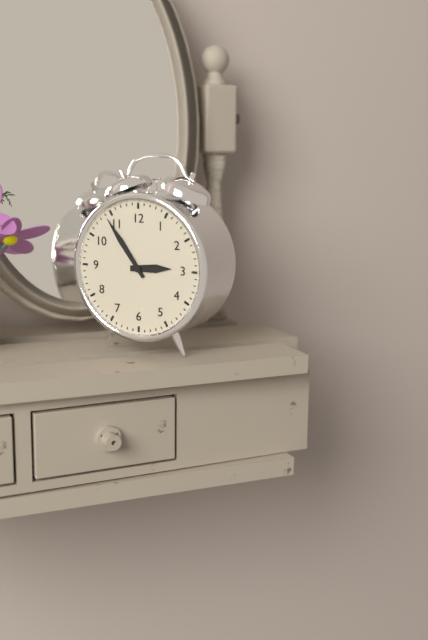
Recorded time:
2,54
